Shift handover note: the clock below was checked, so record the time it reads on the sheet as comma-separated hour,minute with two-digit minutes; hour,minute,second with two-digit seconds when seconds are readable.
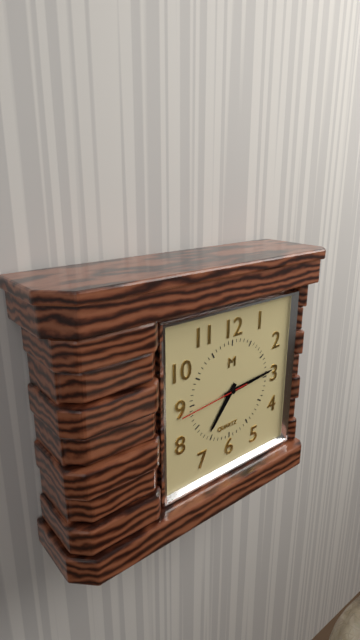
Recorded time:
7,14,44
